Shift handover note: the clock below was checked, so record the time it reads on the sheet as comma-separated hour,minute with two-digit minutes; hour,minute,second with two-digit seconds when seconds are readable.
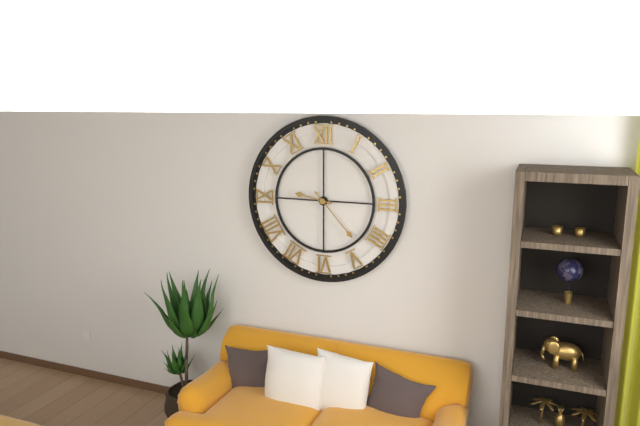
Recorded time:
9,23
